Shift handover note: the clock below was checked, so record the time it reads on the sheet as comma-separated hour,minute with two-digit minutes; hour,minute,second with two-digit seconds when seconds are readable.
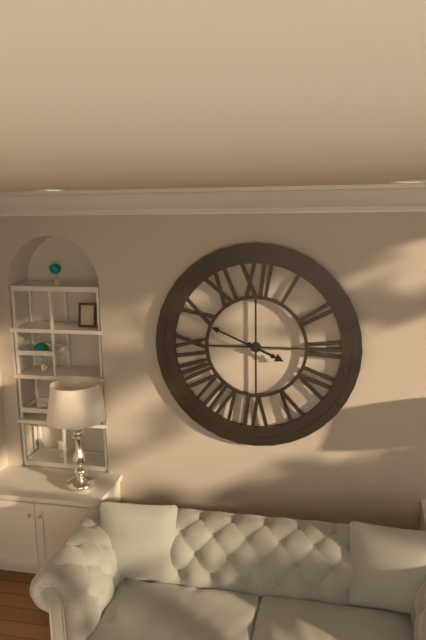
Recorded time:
3,49
